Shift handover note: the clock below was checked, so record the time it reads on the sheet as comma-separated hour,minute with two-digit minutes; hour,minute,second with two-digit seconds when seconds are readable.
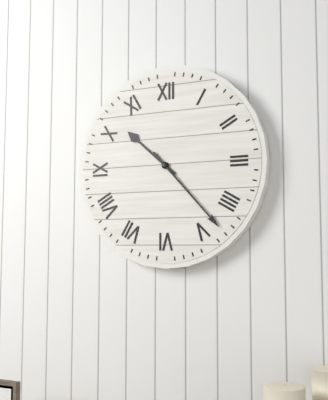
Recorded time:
10,23
